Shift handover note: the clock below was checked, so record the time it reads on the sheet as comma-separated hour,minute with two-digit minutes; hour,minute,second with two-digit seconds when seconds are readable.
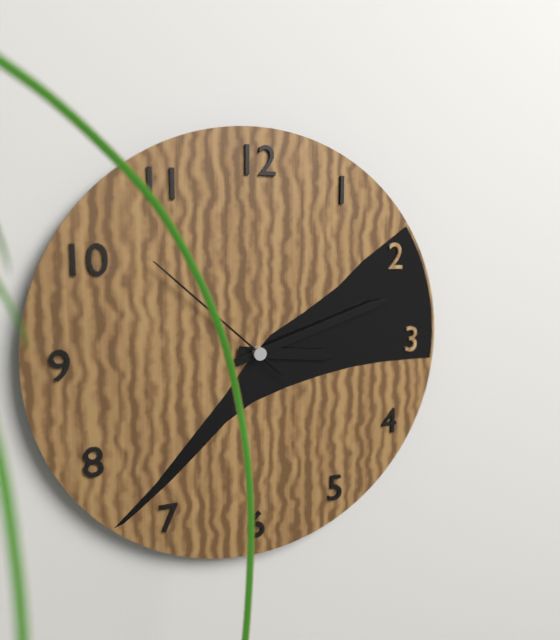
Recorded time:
3,12,52
